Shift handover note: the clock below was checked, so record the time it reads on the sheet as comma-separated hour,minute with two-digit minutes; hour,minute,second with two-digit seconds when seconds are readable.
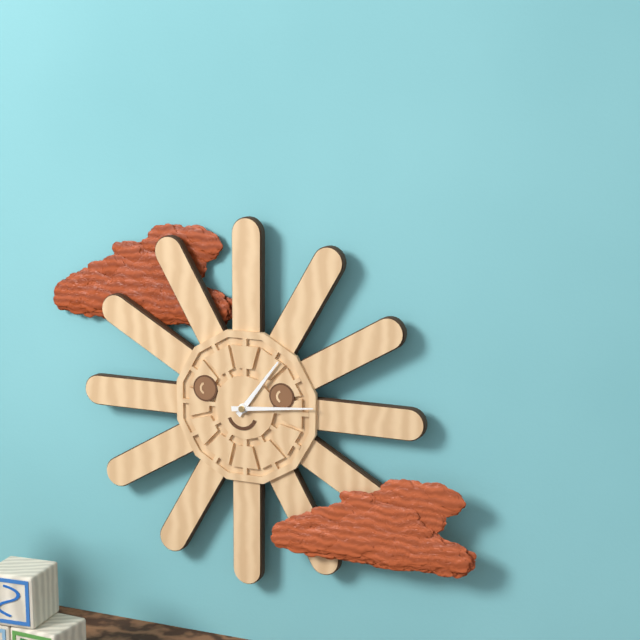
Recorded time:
1,14
